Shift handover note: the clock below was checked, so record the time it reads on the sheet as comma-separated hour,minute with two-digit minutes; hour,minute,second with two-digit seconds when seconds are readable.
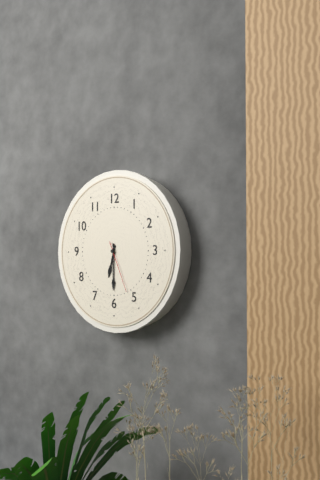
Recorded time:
6,30,26
